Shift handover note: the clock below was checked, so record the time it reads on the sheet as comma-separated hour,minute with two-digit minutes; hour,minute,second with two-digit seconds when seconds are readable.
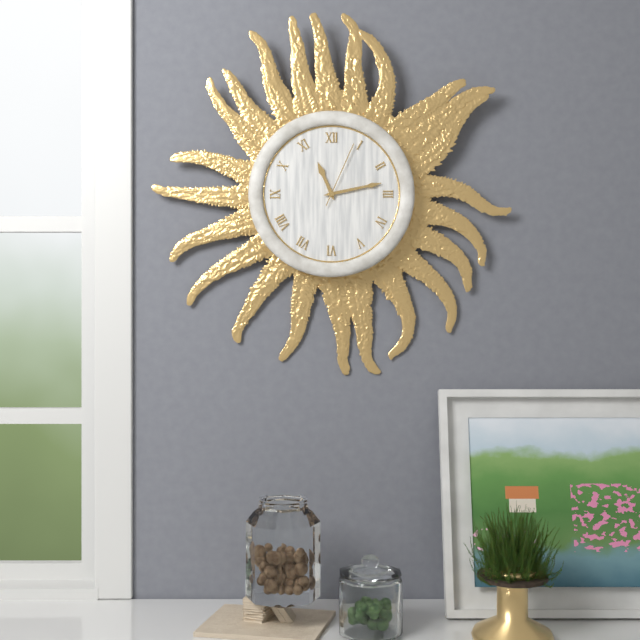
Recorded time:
11,13,04
